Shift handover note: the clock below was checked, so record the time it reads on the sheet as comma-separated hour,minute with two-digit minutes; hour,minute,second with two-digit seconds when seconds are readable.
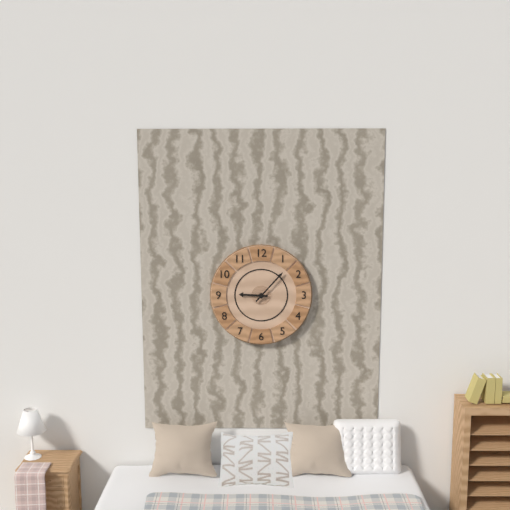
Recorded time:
9,07
